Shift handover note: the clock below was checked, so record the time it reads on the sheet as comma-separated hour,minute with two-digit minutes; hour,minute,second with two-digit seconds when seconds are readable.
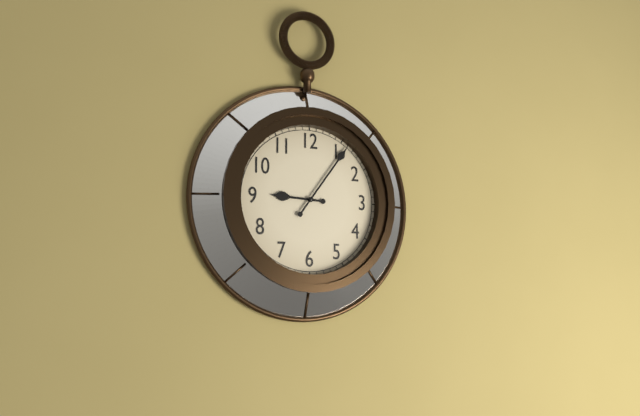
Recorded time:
9,06
